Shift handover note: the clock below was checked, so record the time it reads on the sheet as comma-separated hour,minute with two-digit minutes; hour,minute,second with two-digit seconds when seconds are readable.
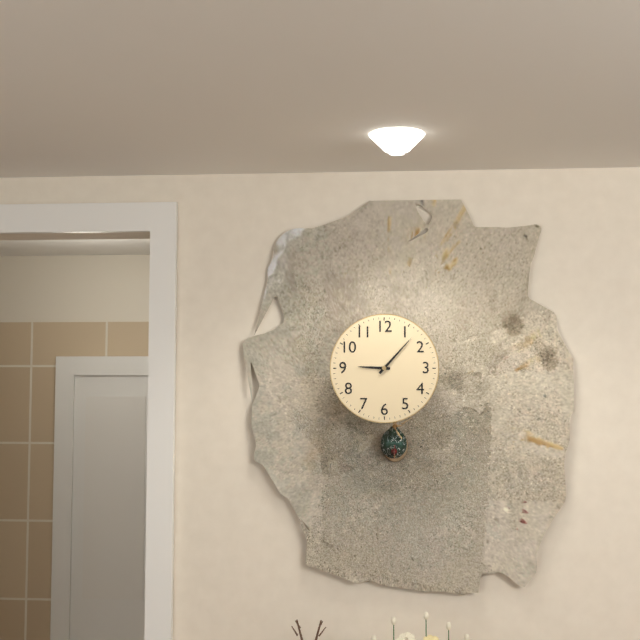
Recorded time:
9,07
